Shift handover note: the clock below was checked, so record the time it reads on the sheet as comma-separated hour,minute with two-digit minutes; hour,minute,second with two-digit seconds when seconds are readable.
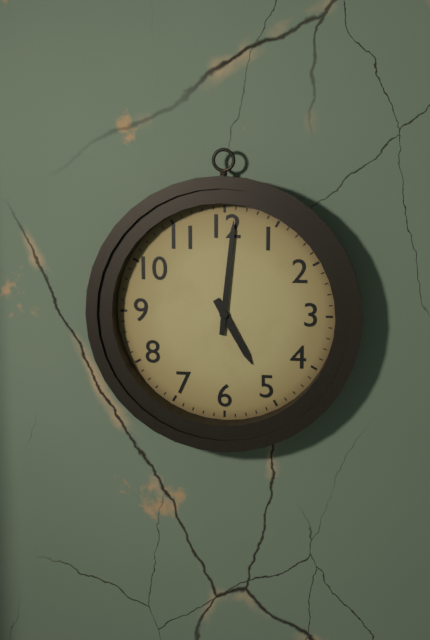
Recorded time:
5,01
